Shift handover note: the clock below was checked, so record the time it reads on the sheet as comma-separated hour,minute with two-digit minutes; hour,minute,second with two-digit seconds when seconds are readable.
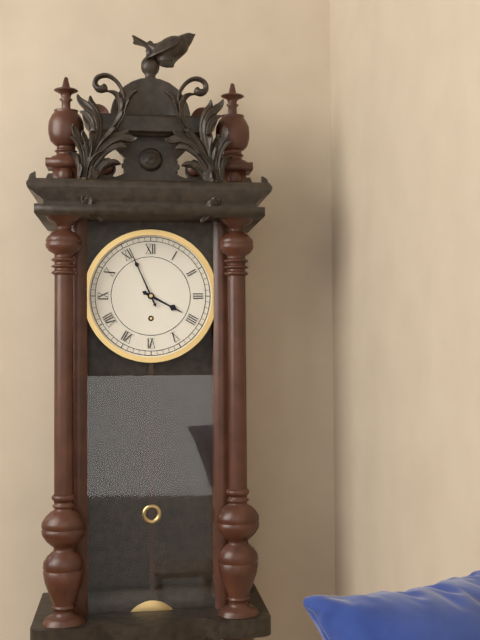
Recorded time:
3,56
